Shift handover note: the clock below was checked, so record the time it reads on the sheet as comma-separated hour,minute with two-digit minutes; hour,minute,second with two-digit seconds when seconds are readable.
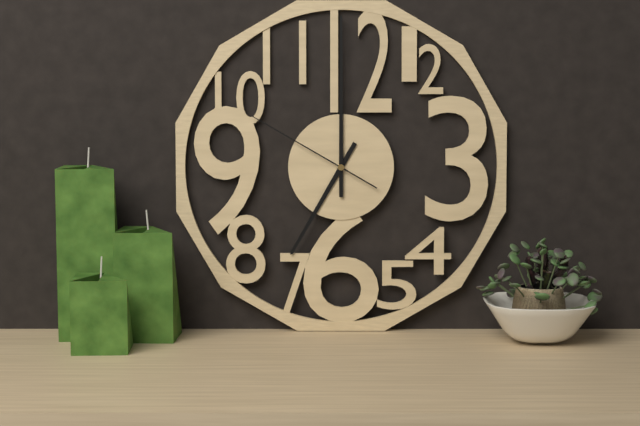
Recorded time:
7,00,50
